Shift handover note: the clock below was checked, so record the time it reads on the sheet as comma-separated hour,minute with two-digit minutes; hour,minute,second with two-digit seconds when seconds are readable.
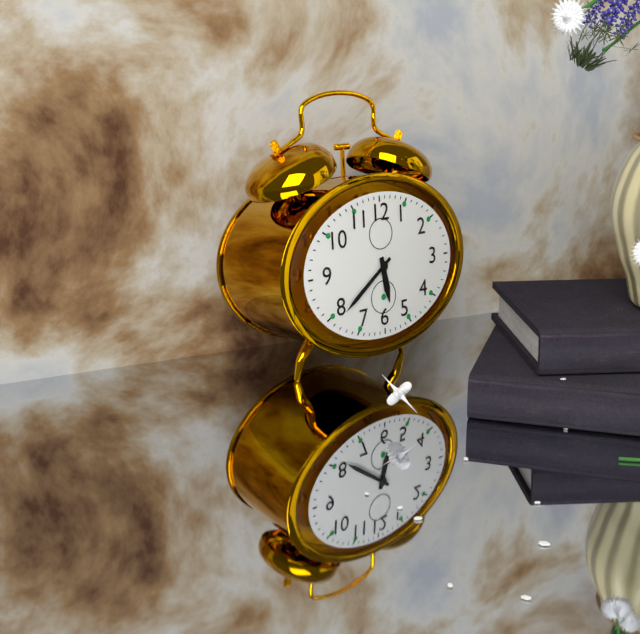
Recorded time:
5,39
